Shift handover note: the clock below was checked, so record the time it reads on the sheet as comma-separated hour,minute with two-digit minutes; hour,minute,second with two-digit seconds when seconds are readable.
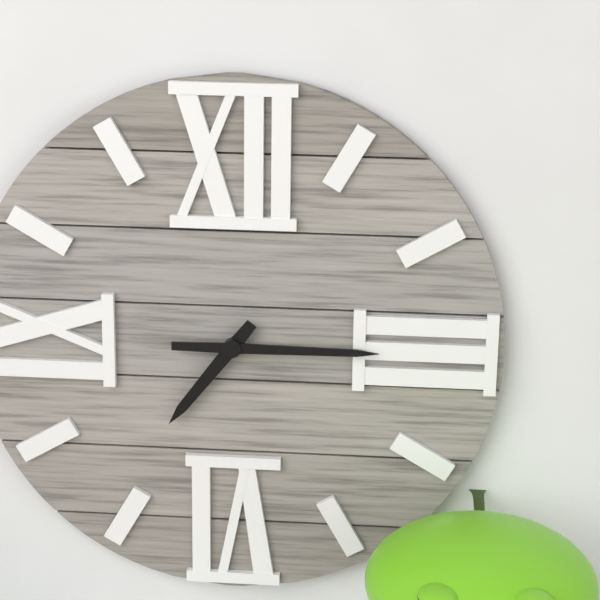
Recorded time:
7,15
